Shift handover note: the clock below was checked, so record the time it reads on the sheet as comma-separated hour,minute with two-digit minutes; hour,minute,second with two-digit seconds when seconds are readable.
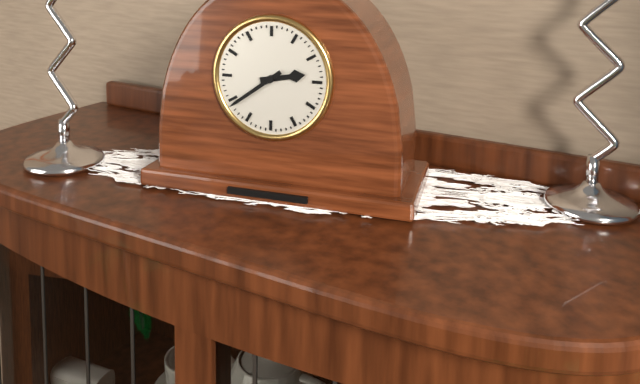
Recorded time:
2,39
